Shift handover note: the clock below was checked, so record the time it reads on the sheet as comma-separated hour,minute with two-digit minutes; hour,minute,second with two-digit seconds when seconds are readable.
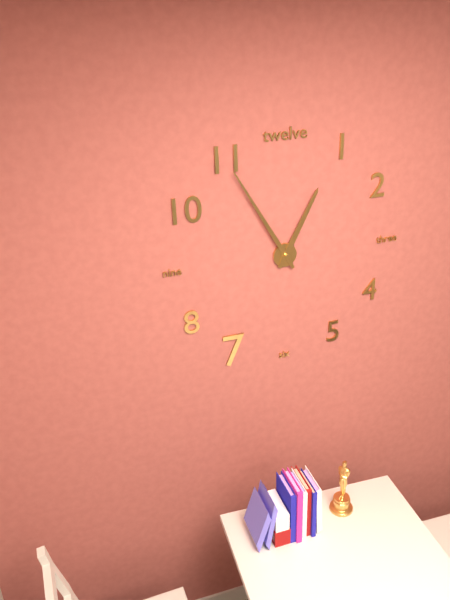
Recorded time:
12,55
